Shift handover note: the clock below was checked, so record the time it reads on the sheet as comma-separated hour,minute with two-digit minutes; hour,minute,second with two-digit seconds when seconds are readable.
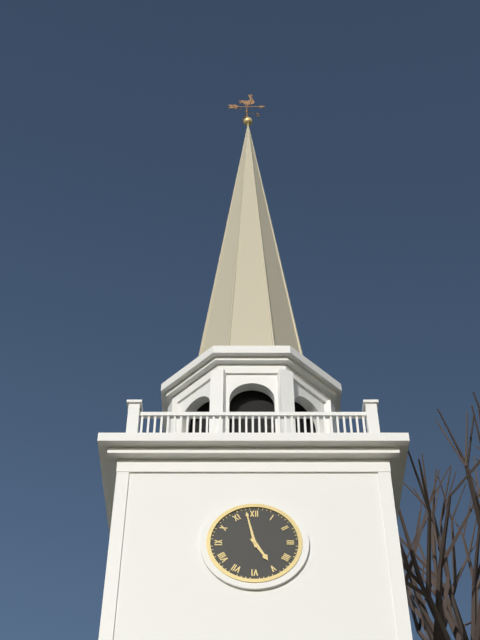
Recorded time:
4,58
